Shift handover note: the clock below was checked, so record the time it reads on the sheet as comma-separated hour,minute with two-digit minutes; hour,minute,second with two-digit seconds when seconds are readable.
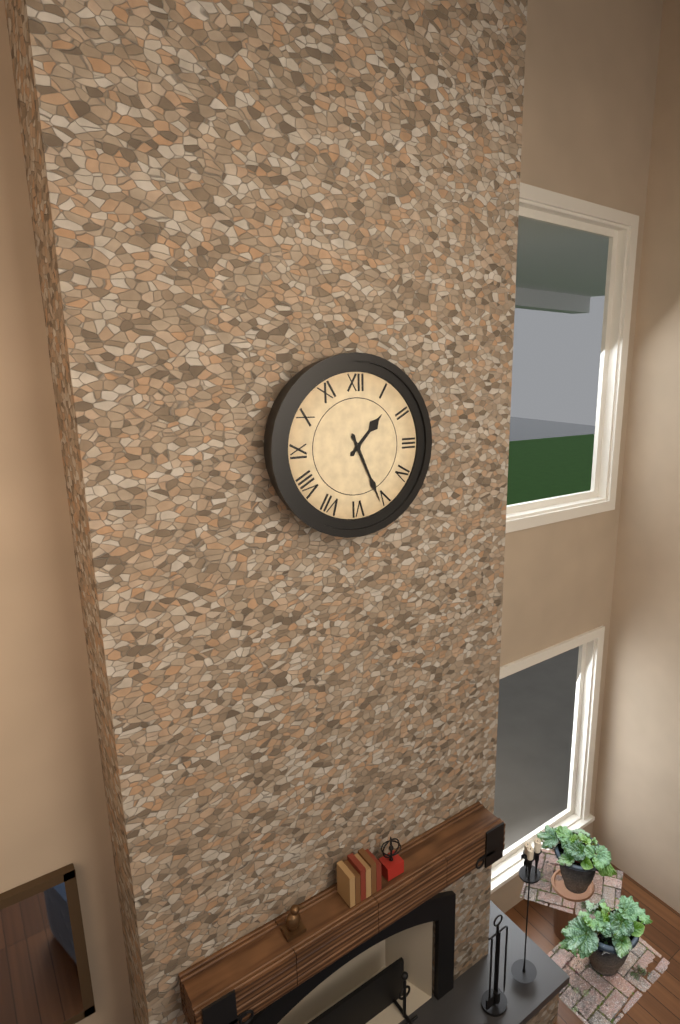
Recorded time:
1,26
